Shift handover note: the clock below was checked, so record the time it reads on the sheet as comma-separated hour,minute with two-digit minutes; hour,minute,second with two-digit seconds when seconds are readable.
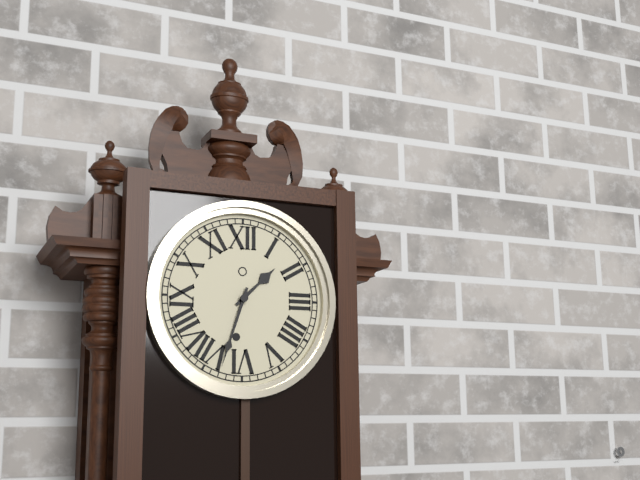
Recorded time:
1,33
